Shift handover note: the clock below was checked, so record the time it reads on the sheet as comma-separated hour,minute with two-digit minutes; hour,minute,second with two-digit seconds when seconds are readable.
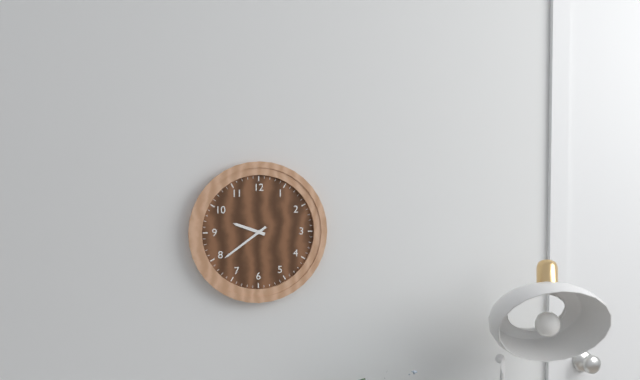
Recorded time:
9,39
